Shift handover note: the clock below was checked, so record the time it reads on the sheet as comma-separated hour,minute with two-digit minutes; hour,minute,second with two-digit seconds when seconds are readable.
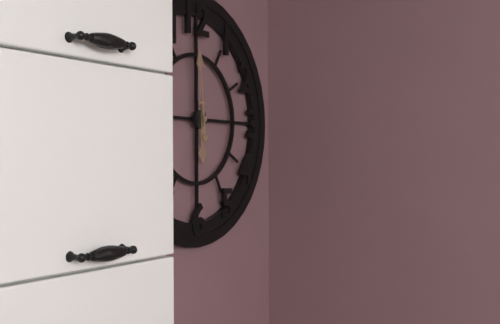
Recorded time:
5,59
